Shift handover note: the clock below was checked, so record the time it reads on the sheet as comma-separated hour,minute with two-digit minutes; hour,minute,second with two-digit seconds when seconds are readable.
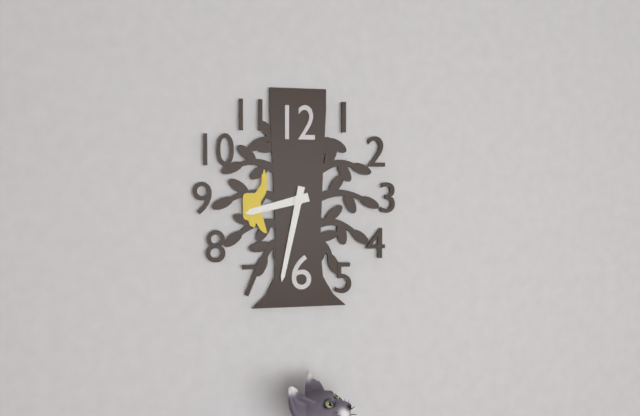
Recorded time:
8,32
